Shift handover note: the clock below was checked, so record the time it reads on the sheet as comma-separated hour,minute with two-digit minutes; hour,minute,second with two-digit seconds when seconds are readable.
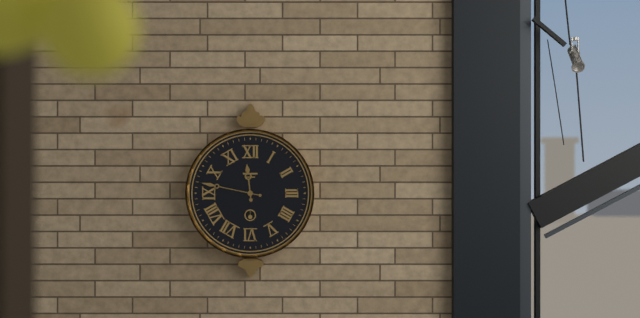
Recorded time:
11,47
